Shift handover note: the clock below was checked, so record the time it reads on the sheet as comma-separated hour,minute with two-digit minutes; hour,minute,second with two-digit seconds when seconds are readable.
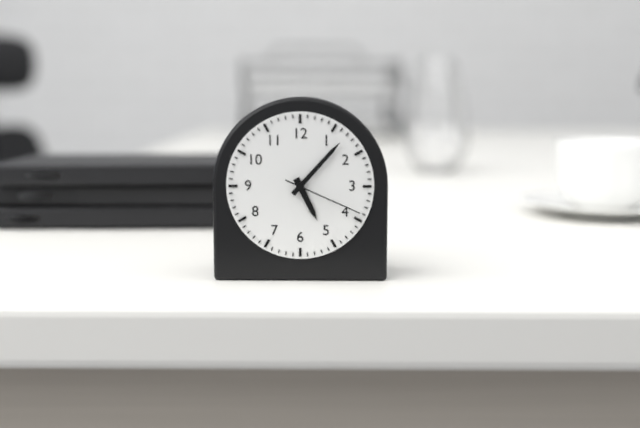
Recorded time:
5,07,19
